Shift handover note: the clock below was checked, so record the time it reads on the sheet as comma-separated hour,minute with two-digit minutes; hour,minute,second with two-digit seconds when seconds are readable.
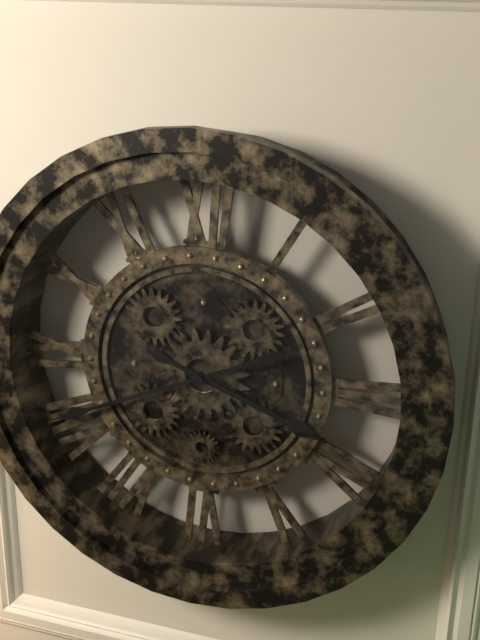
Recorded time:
3,41
